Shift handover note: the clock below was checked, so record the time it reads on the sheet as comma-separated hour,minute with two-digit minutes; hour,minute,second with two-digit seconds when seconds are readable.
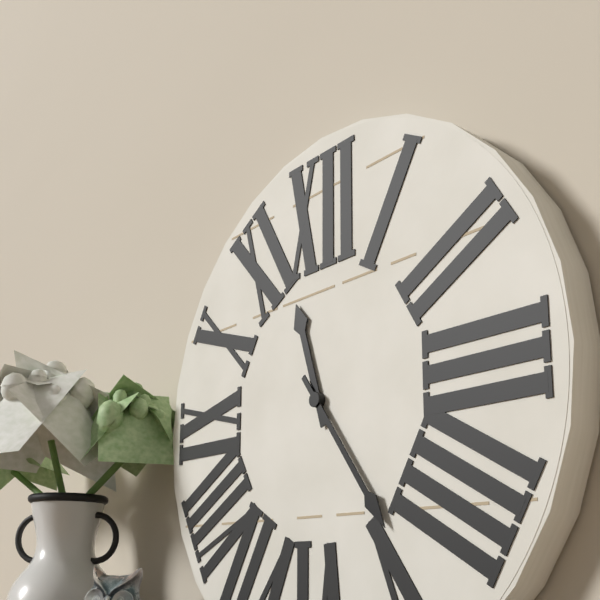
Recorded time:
11,24
